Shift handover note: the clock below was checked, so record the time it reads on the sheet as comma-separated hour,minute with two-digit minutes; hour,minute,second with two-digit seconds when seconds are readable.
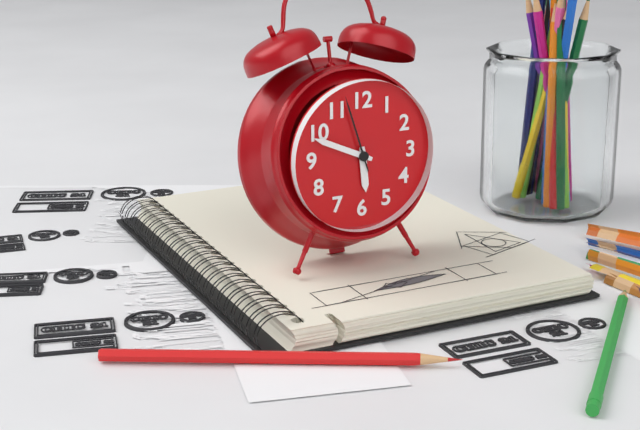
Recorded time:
5,49,57
